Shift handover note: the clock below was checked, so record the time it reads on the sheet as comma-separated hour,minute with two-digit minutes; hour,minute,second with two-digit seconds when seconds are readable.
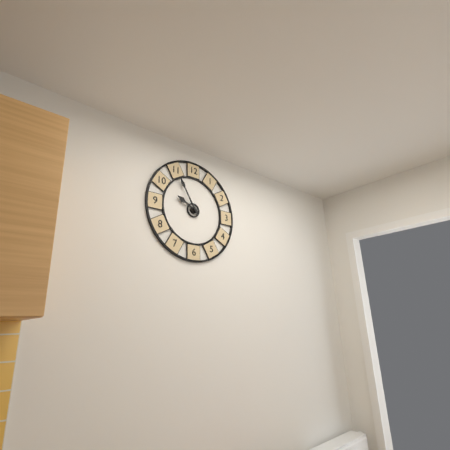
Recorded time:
9,55
